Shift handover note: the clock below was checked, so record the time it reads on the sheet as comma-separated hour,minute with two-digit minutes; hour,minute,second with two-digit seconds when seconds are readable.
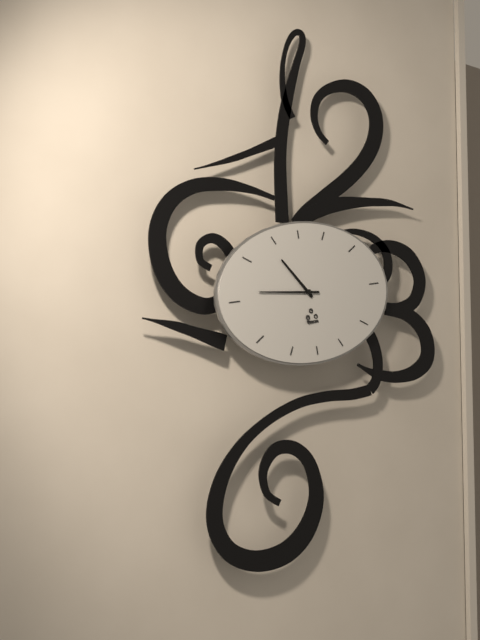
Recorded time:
10,46
